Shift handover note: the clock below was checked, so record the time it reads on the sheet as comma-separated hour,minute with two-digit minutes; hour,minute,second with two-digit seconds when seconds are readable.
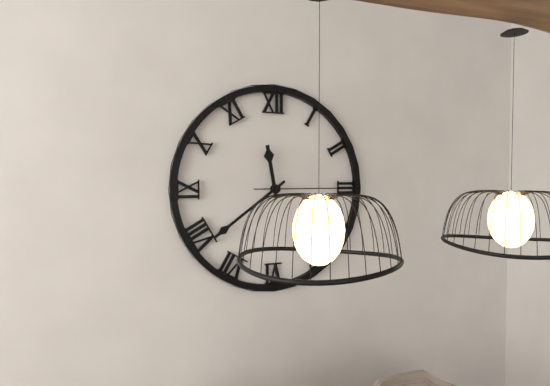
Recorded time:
11,39,15
